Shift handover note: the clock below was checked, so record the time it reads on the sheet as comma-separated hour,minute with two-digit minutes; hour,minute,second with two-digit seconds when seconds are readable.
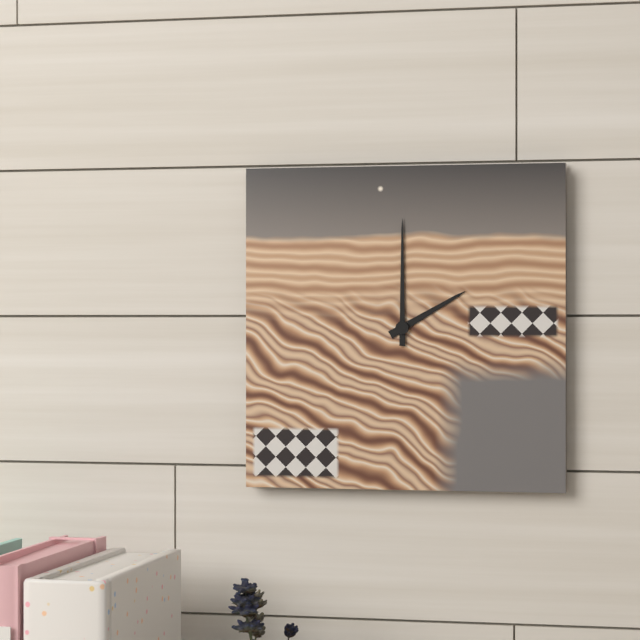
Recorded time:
2,00
